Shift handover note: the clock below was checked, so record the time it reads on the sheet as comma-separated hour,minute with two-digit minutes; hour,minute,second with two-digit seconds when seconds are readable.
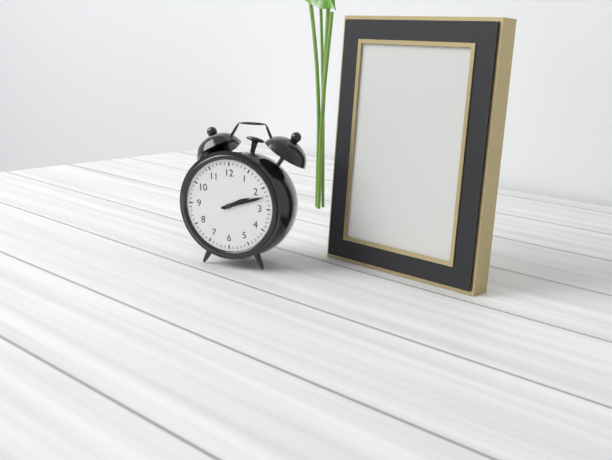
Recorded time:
2,12
